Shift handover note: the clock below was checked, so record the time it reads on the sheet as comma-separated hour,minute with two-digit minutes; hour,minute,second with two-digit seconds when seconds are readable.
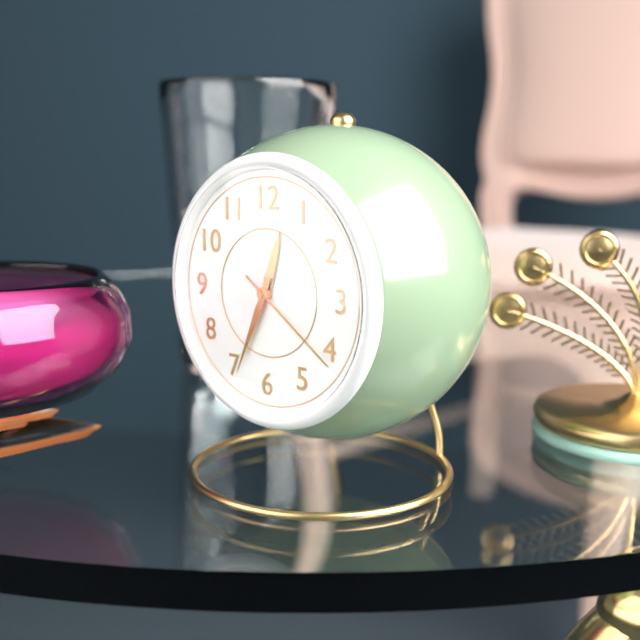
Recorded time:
12,34,21
